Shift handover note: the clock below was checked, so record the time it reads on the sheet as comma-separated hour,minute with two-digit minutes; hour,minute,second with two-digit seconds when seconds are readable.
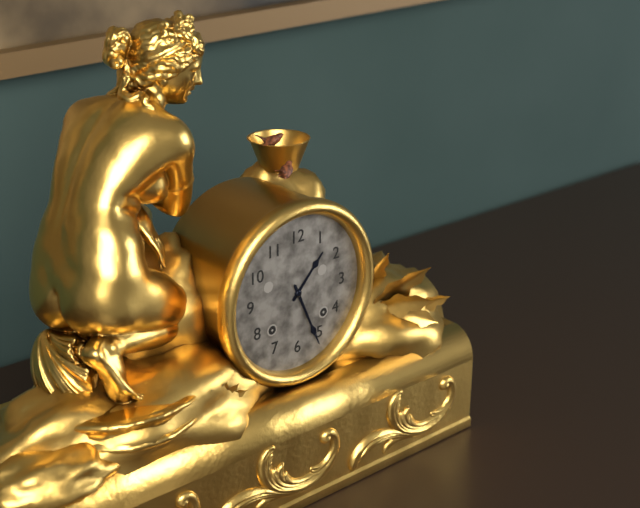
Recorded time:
1,26
